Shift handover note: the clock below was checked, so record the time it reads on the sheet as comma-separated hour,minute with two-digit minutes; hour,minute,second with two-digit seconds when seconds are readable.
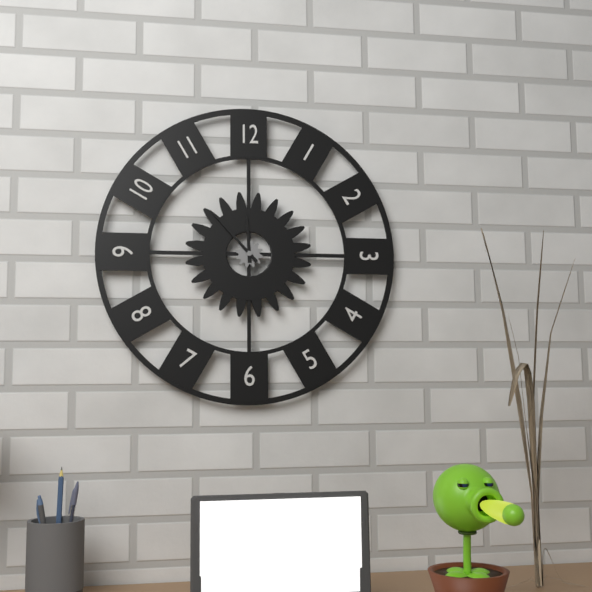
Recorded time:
11,53
